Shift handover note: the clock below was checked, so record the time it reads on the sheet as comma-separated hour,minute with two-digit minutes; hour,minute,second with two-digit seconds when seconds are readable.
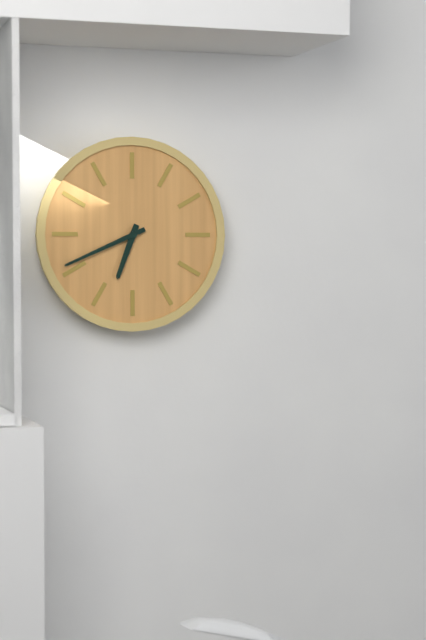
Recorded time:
6,41
